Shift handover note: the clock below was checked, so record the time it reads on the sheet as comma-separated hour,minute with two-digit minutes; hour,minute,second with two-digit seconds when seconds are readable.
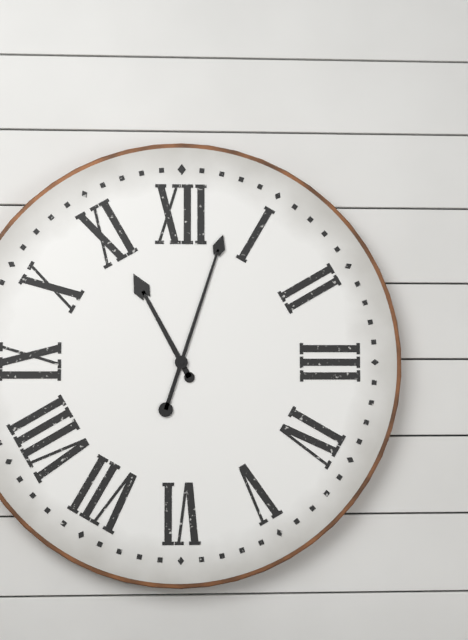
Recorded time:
11,03
